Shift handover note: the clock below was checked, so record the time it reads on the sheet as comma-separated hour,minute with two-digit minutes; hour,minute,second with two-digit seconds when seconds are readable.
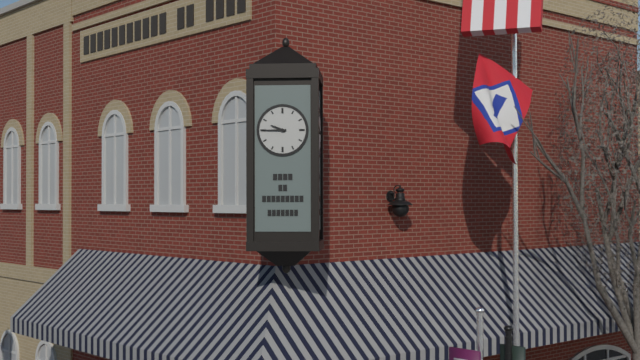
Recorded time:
9,45
